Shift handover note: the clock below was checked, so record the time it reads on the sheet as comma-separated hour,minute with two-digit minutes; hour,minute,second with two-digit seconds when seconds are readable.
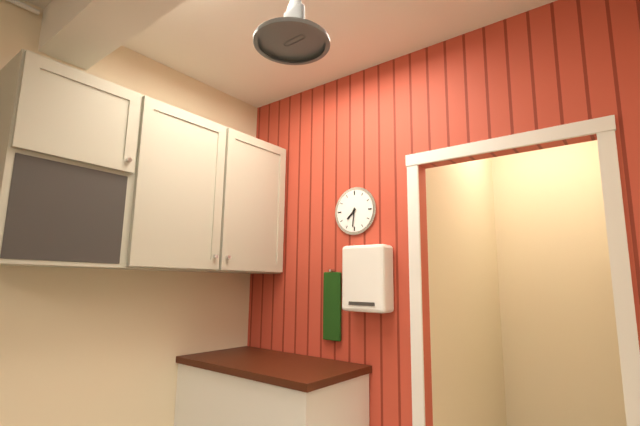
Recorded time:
7,31
